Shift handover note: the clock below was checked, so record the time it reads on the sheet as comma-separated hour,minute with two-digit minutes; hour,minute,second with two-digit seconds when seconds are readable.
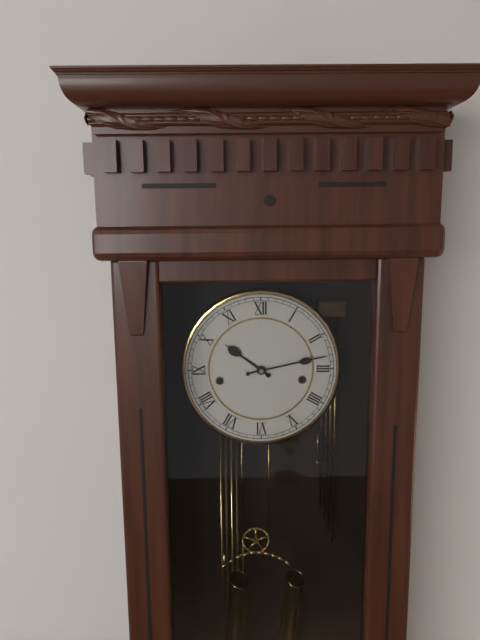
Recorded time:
10,13
